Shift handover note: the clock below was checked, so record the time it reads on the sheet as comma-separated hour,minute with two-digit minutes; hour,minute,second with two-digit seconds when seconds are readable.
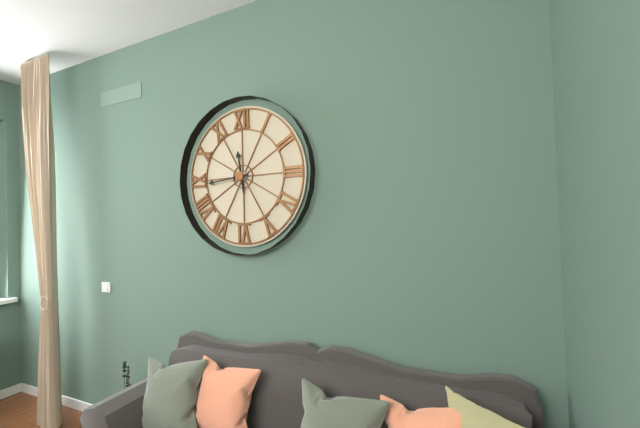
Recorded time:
11,44
